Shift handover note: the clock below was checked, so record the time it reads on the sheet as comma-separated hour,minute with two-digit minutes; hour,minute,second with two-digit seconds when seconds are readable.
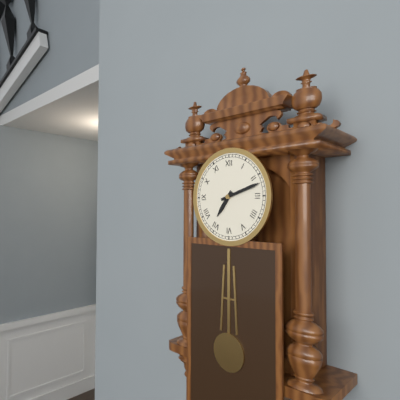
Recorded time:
7,12
